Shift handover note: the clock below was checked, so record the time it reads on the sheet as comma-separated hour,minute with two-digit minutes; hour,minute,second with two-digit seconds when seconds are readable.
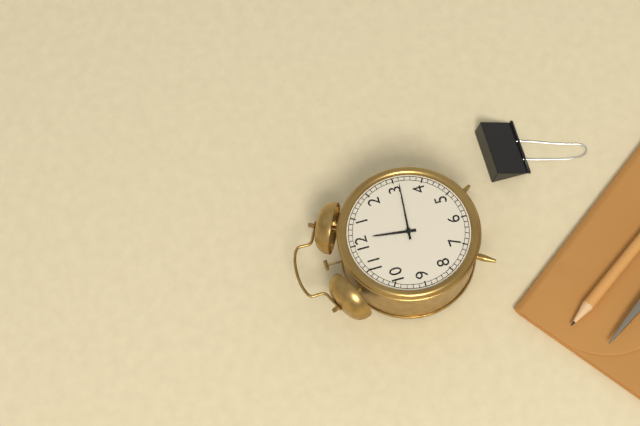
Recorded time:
12,16
